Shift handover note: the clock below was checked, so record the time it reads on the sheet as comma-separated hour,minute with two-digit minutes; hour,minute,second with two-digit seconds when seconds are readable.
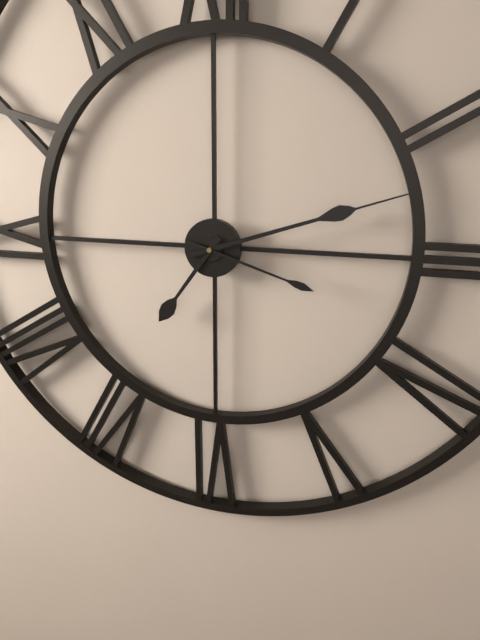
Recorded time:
7,12,18
